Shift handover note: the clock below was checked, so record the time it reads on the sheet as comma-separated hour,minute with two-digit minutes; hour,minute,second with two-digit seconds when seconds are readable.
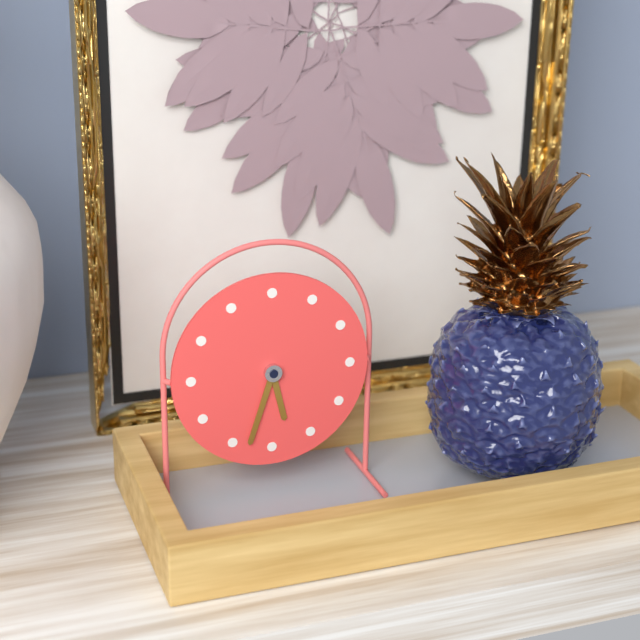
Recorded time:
5,33
